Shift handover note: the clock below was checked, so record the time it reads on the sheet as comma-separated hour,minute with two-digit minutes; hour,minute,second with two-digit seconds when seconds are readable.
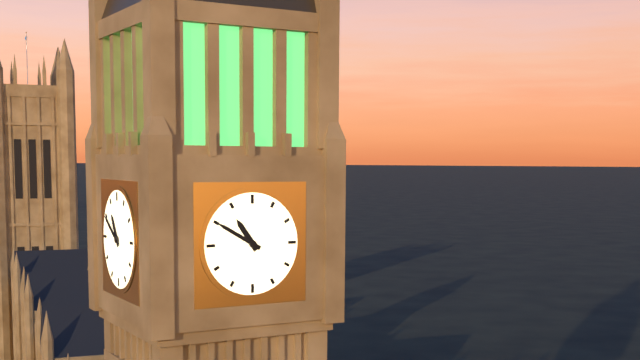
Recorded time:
10,50
